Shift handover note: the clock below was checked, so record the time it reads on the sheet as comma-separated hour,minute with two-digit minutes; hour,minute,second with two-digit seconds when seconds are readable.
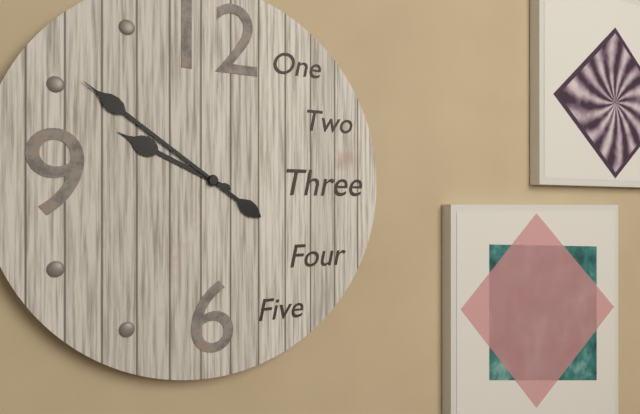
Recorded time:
9,51
